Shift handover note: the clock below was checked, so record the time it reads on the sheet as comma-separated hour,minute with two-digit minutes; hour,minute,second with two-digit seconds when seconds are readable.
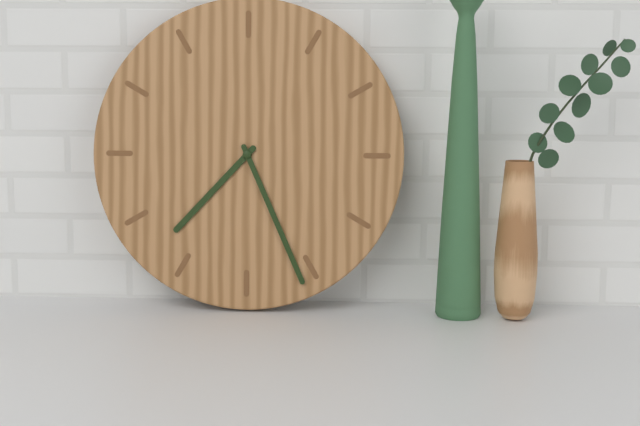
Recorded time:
7,26
